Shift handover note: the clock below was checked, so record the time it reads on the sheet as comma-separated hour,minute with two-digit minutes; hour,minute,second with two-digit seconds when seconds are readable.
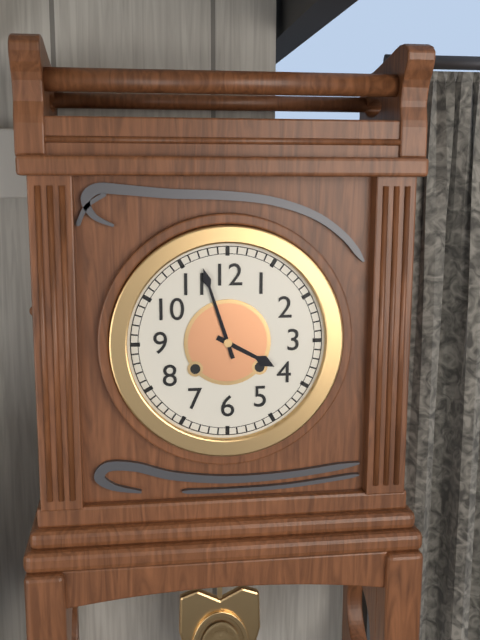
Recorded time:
3,57
